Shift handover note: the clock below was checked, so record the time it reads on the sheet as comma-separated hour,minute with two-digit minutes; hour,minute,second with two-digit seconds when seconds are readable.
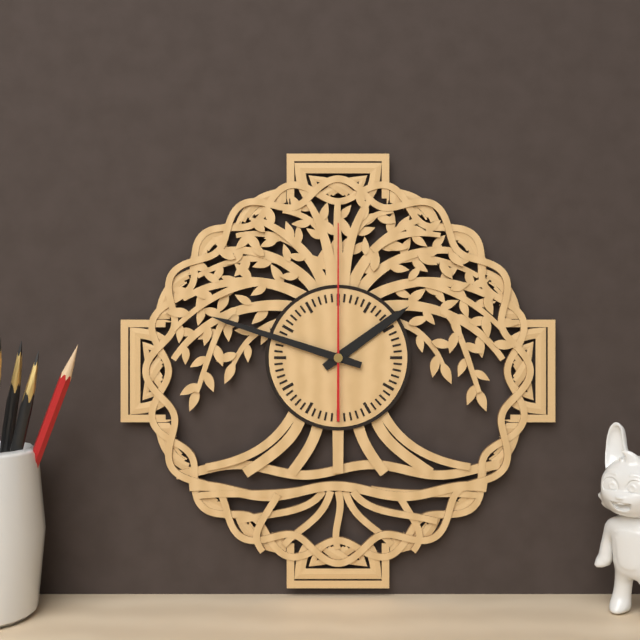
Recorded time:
1,48,00
